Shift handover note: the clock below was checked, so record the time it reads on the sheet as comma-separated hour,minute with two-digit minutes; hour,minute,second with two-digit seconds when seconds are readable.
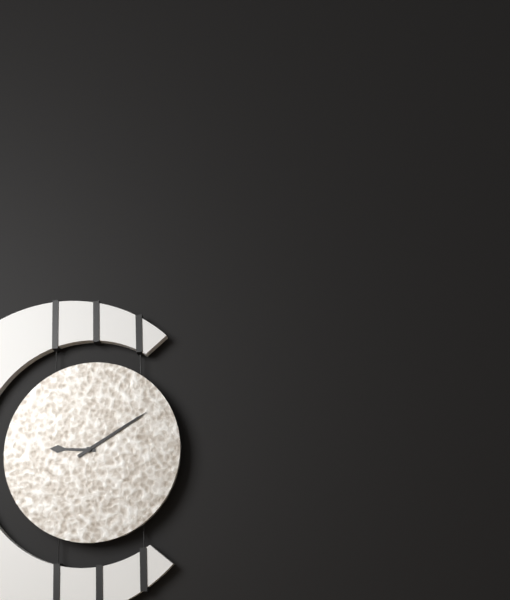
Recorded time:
9,10
